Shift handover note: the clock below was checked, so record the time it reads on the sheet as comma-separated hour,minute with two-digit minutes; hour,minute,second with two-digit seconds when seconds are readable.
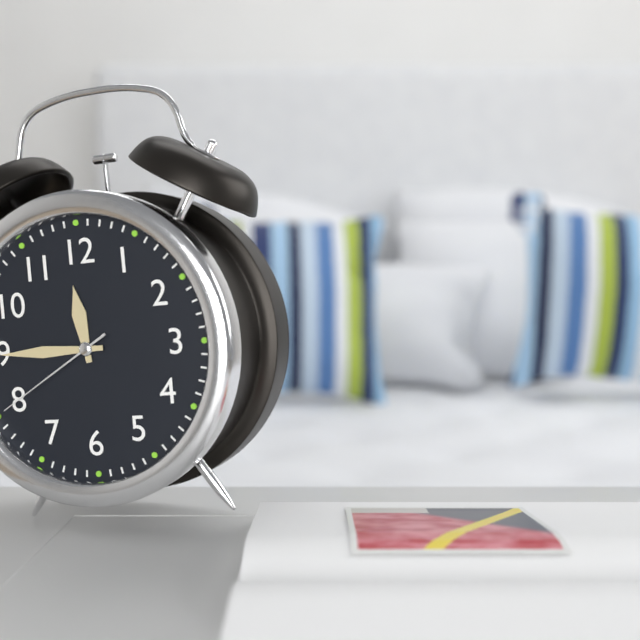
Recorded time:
11,45,40
